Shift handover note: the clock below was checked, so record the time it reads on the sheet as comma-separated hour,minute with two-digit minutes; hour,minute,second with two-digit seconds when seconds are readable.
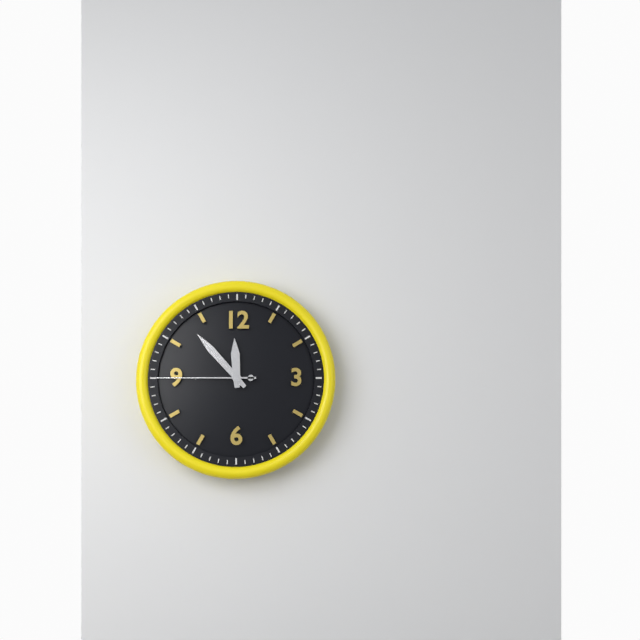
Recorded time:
11,53,45
